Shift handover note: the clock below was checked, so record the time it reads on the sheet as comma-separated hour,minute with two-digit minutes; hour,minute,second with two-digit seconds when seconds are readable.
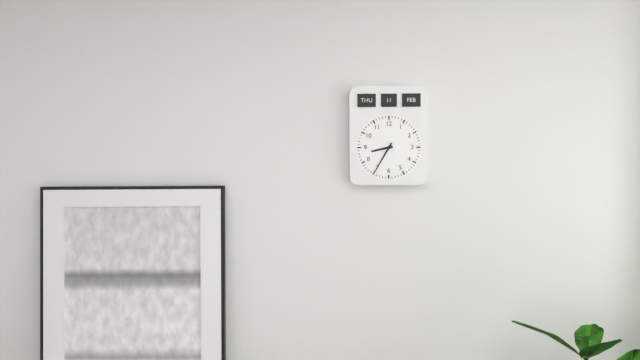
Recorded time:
8,35
